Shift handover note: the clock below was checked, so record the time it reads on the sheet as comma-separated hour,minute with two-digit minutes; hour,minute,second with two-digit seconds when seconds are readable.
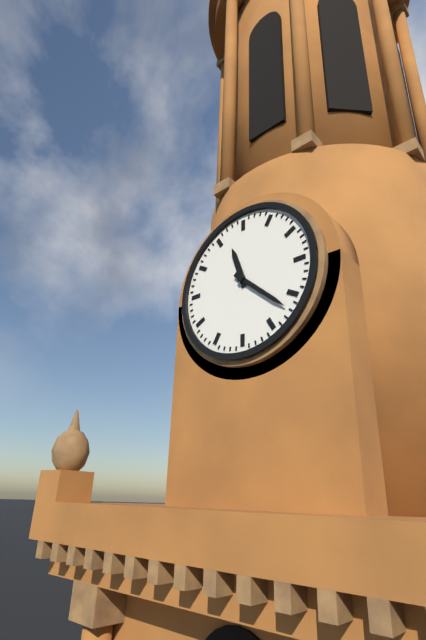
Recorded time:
11,22
